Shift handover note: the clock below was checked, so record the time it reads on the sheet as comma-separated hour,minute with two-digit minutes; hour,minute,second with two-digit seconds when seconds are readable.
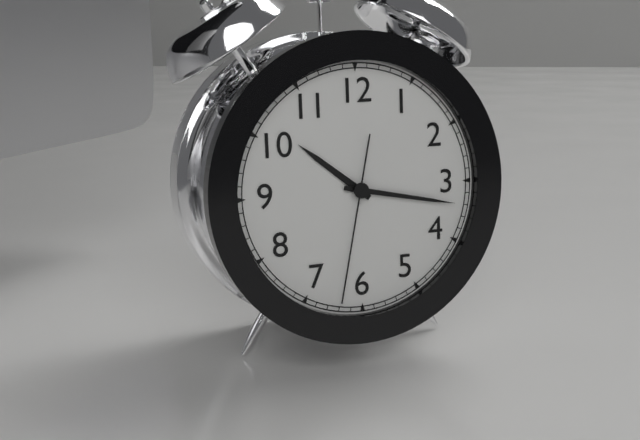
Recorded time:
10,17,32
